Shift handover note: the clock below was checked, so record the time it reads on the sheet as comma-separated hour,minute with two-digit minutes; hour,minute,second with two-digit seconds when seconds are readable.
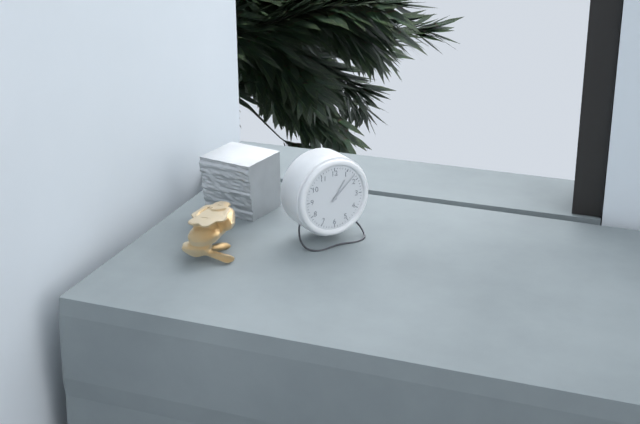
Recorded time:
1,08
